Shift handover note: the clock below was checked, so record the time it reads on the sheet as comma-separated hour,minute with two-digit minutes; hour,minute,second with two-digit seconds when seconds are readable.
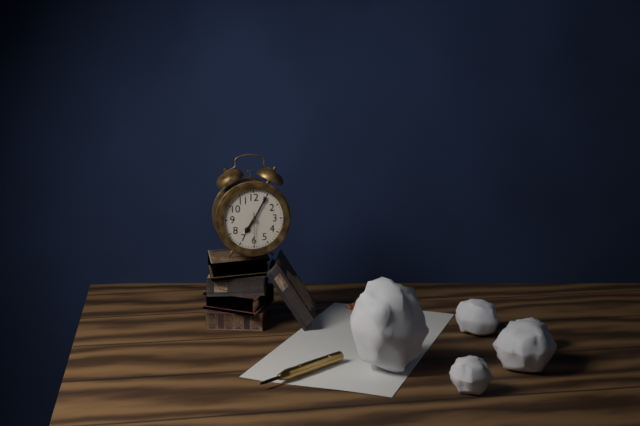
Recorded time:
7,05
